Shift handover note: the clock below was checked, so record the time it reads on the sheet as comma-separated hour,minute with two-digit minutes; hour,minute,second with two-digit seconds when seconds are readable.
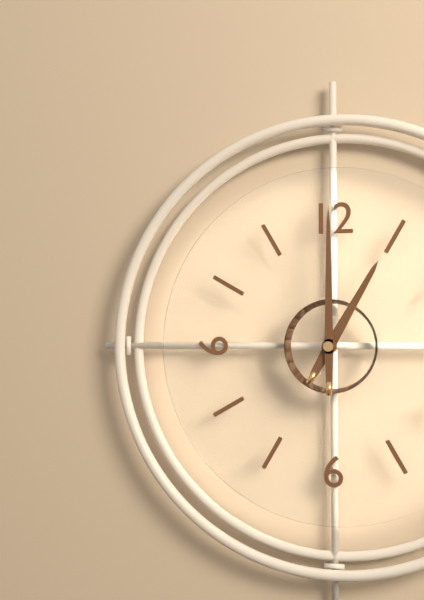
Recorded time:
1,00
